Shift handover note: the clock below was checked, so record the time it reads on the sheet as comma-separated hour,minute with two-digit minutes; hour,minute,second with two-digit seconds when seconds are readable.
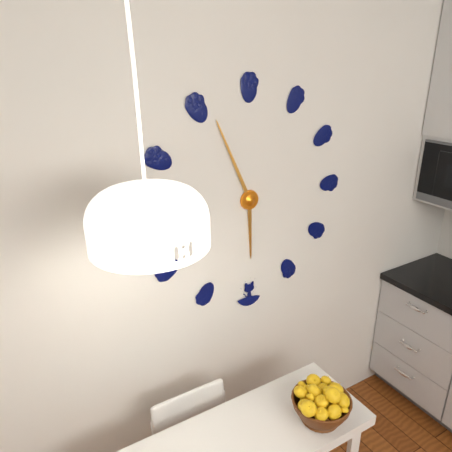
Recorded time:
5,56
